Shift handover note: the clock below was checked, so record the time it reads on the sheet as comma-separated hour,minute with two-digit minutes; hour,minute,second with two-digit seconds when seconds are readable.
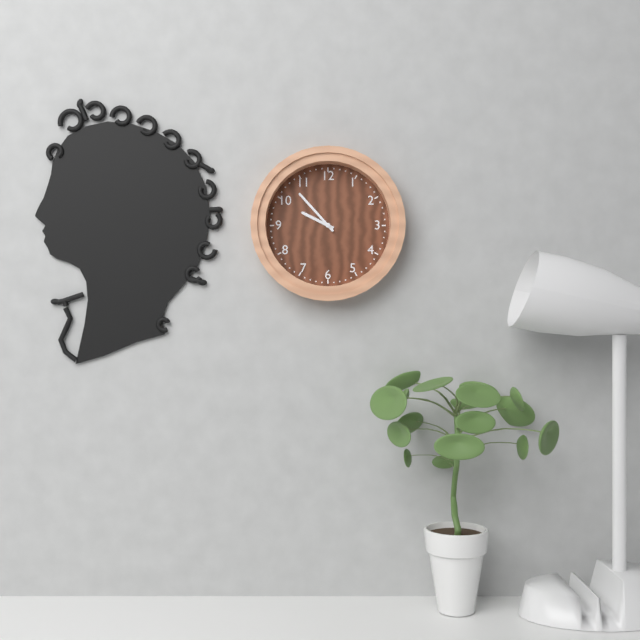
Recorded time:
9,53
